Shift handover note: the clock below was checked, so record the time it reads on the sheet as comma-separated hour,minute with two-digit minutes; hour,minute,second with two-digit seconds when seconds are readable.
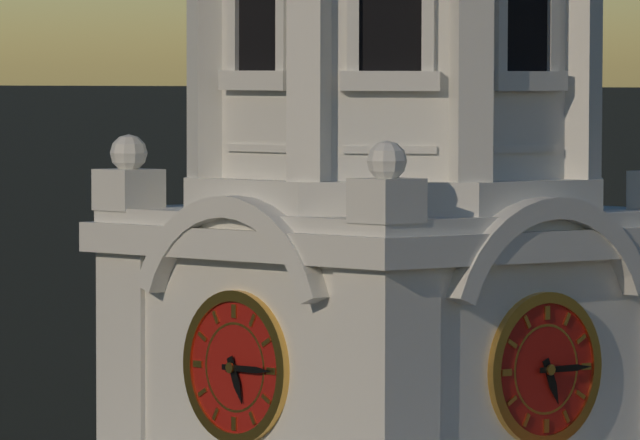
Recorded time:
5,15
